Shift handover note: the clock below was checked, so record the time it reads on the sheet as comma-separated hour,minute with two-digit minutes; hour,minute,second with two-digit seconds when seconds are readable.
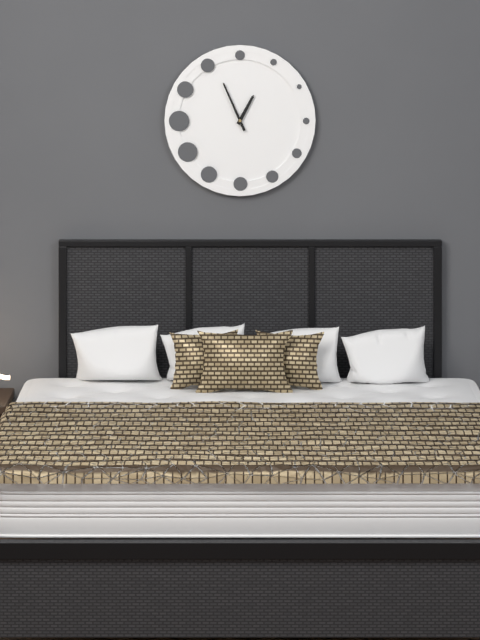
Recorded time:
12,56
